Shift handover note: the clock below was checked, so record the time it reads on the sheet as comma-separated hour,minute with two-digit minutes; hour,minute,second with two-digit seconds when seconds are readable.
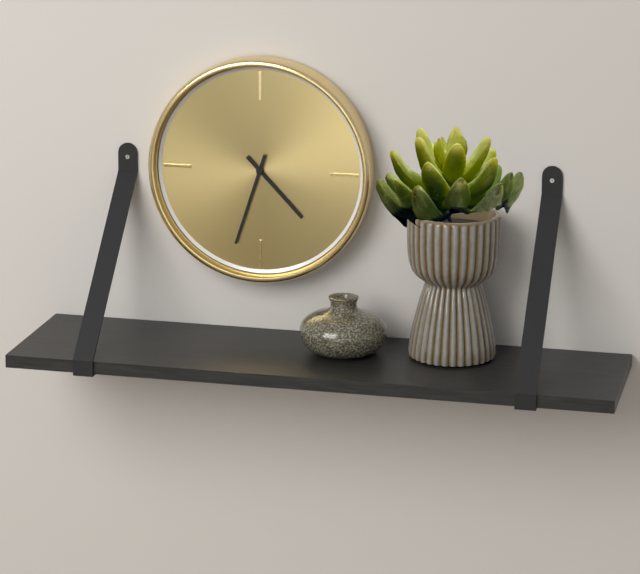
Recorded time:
4,33
